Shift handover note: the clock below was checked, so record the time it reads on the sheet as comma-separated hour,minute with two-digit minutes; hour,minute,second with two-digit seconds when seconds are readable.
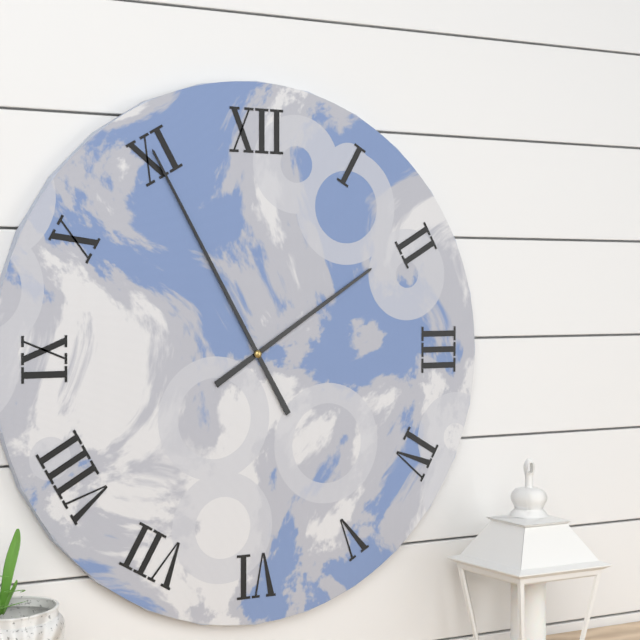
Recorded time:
1,55
